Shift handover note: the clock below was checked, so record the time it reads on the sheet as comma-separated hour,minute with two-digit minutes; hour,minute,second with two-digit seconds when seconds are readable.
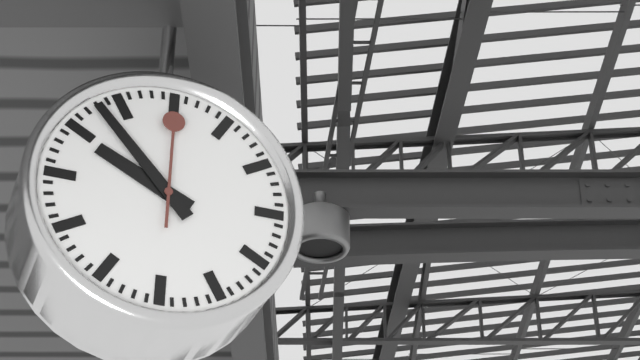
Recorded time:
9,53,00
